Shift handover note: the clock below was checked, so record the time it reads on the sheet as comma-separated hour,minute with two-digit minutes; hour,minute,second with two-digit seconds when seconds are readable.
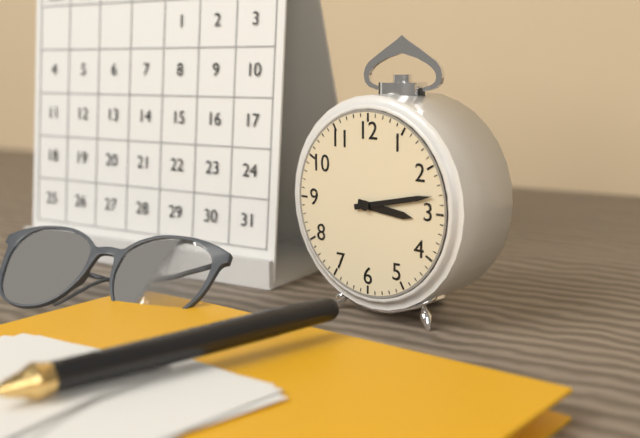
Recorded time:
3,13
